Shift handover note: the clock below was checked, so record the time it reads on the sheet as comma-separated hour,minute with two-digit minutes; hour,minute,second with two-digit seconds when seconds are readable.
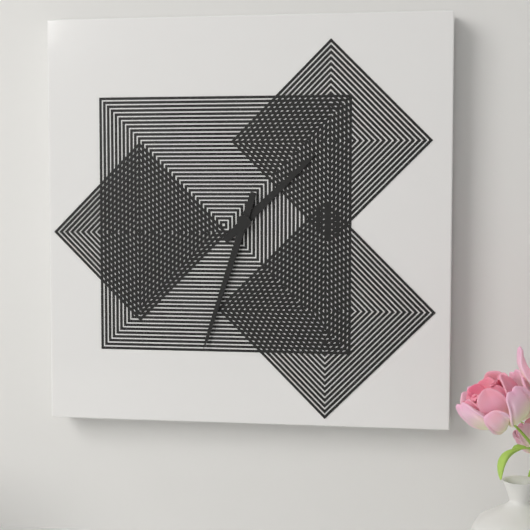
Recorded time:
1,33
